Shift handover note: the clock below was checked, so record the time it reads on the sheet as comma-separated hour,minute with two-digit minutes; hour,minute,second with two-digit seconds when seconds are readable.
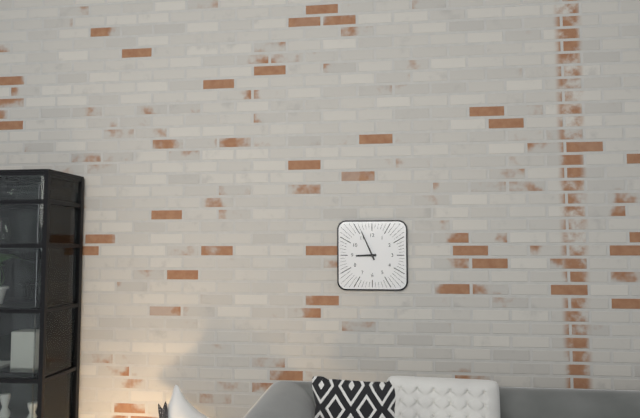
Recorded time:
8,56
